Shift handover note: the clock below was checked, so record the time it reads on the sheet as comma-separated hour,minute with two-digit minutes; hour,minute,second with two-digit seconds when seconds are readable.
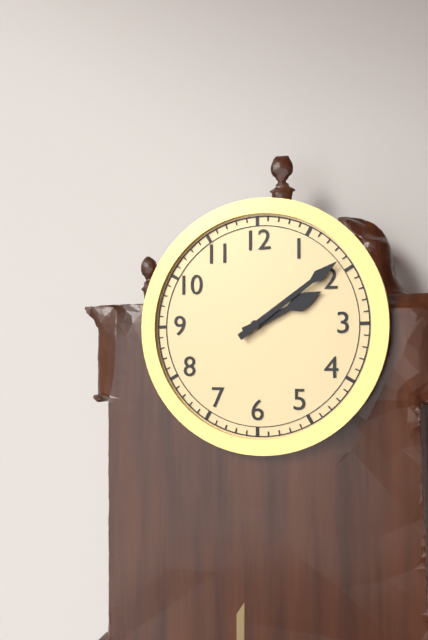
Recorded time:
2,09
